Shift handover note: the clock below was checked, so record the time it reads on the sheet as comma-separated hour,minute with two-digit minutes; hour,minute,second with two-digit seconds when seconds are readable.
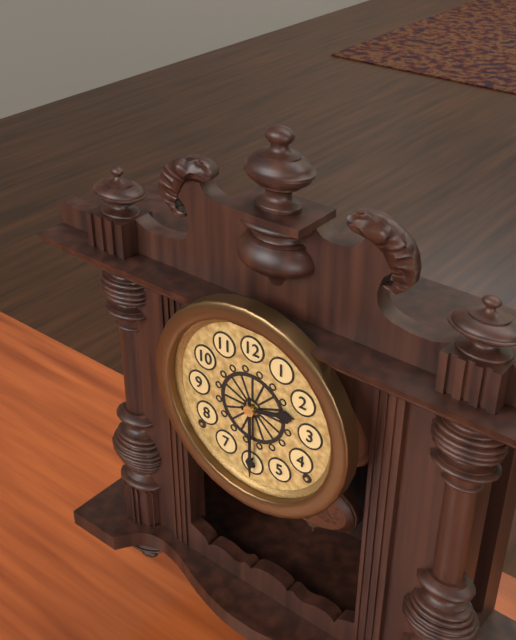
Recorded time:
2,30
